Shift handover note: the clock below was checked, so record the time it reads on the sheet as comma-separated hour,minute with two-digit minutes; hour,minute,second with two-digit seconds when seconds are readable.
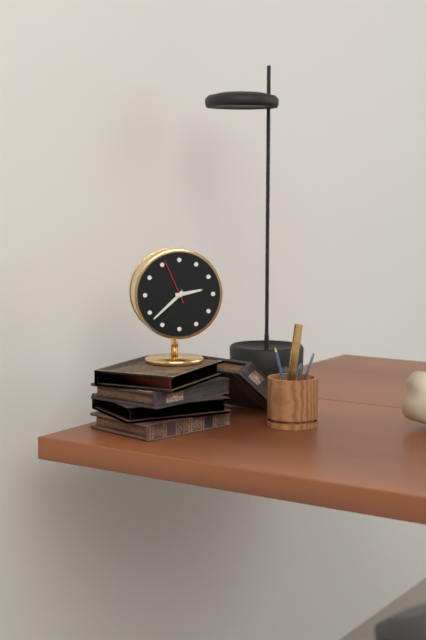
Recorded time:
2,38
